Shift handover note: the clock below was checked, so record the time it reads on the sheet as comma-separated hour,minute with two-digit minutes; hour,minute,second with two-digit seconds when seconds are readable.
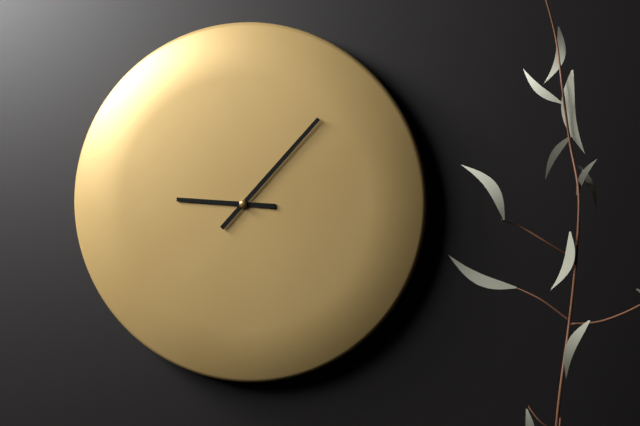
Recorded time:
9,07
